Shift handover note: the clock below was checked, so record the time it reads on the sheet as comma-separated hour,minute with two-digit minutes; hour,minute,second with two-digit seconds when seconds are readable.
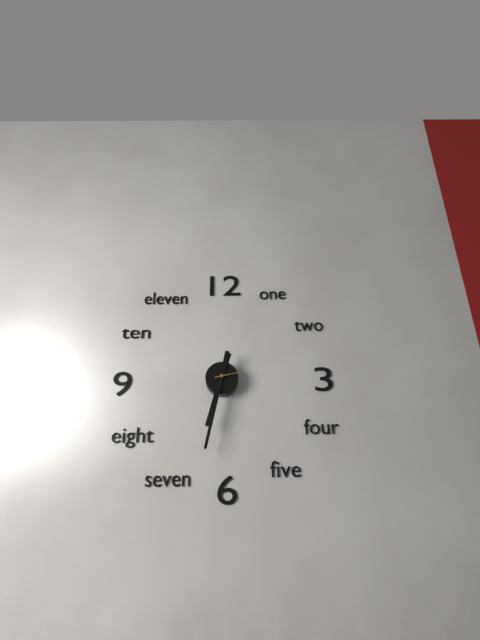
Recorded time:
6,32
